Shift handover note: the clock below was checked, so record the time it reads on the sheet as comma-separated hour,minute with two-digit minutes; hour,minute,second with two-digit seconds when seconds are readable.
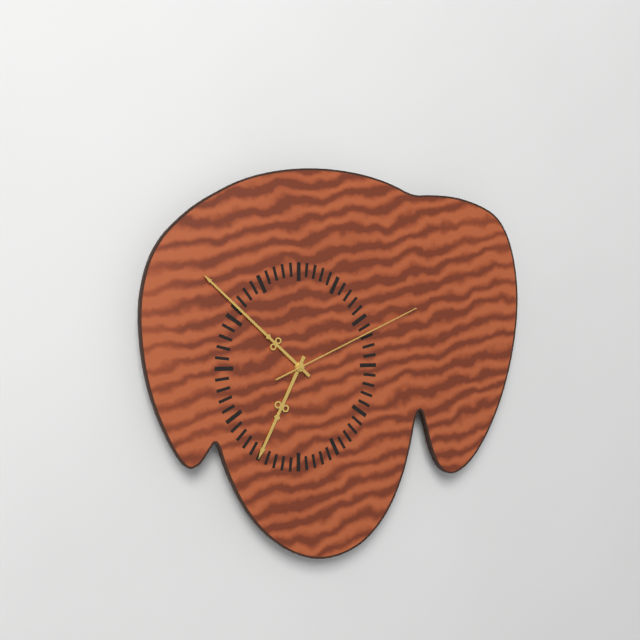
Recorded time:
6,52,11
